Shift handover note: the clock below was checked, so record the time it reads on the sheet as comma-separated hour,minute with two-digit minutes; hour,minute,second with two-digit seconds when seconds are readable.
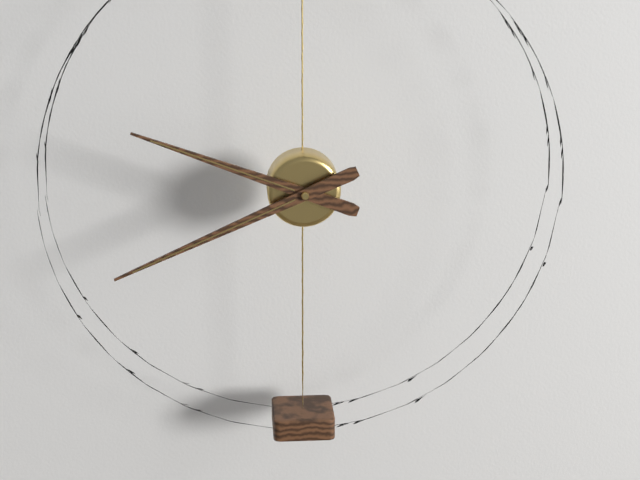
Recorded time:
9,41
